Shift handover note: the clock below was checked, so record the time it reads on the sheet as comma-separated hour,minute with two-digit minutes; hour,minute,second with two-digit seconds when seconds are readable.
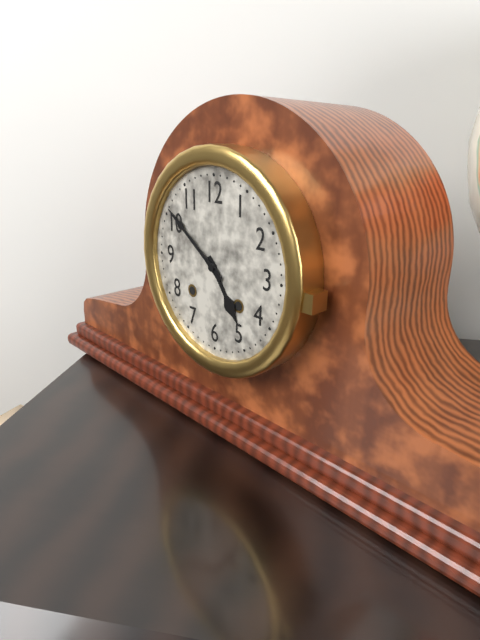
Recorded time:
4,51
